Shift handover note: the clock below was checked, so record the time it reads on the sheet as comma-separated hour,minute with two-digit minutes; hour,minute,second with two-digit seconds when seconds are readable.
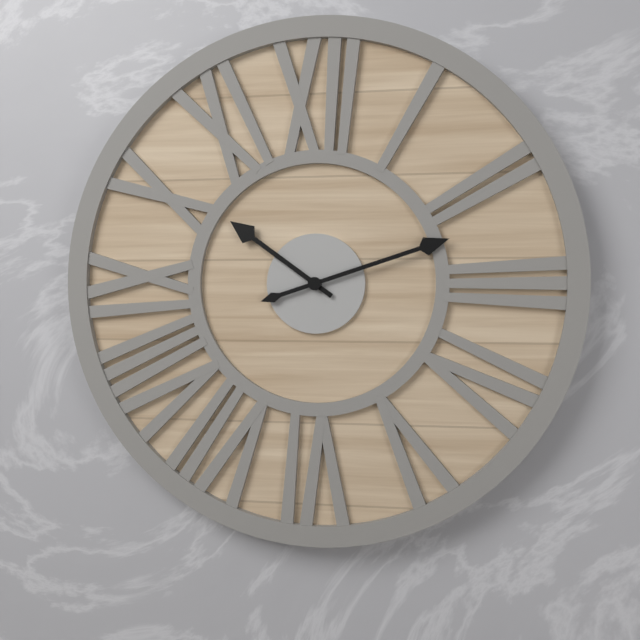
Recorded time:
10,12
